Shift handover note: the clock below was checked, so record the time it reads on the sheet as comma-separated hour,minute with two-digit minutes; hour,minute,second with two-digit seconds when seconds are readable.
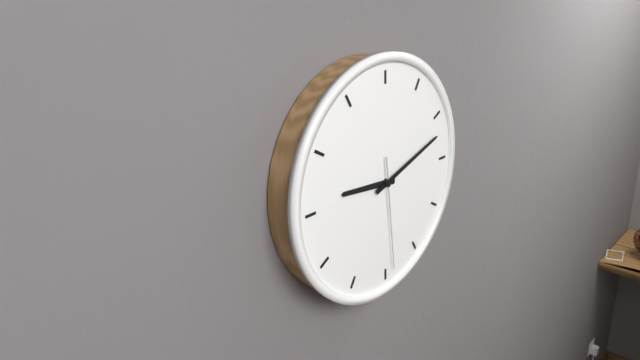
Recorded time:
9,12,29
